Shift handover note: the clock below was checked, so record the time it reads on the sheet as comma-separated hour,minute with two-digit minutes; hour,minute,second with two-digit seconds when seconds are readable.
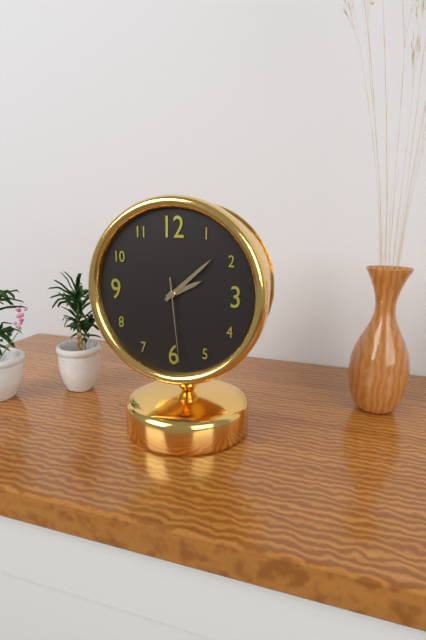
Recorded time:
2,08,29
